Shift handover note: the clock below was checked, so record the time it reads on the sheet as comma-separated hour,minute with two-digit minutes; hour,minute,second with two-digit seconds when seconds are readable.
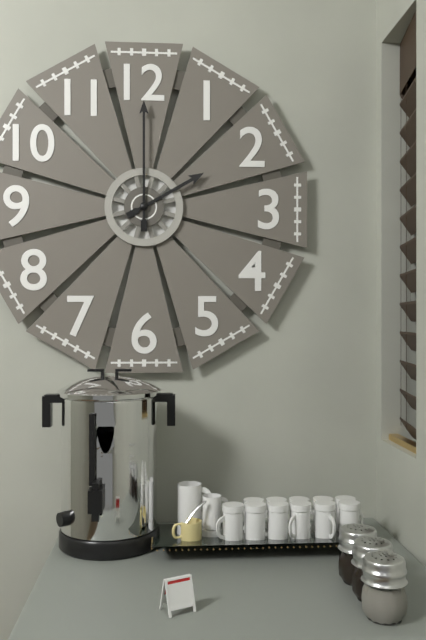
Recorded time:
2,00
